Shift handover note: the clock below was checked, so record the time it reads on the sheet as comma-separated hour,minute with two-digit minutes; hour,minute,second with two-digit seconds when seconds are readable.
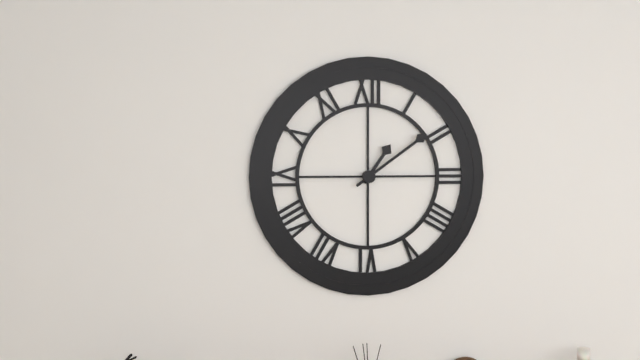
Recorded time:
1,09
